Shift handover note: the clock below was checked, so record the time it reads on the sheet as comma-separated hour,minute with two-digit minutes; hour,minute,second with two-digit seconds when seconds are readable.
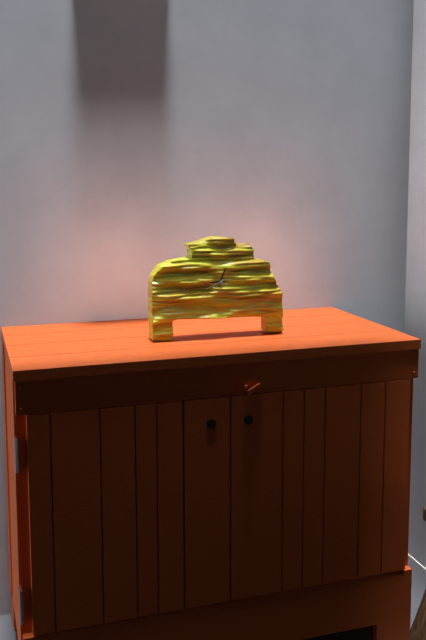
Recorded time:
12,44
